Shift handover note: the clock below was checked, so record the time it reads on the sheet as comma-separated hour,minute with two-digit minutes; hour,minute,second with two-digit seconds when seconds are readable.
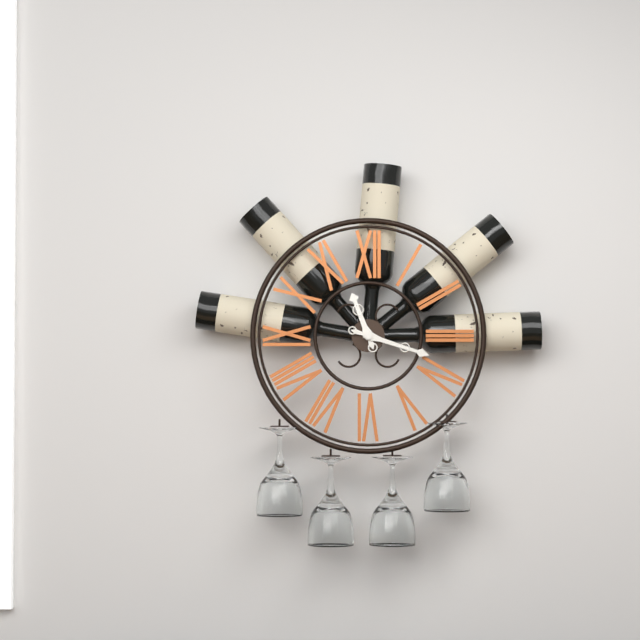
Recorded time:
11,18
